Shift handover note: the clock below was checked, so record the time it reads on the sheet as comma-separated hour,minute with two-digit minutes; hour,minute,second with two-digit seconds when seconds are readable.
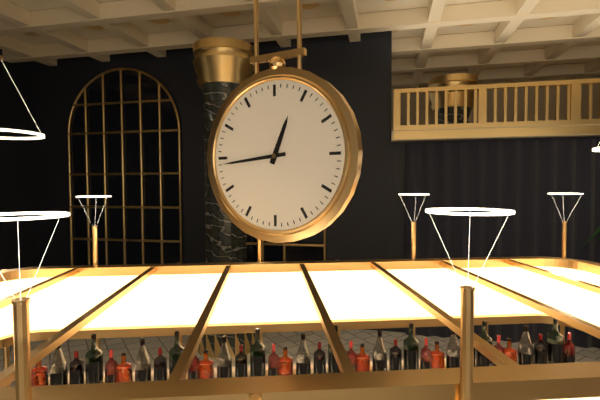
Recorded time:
12,44
